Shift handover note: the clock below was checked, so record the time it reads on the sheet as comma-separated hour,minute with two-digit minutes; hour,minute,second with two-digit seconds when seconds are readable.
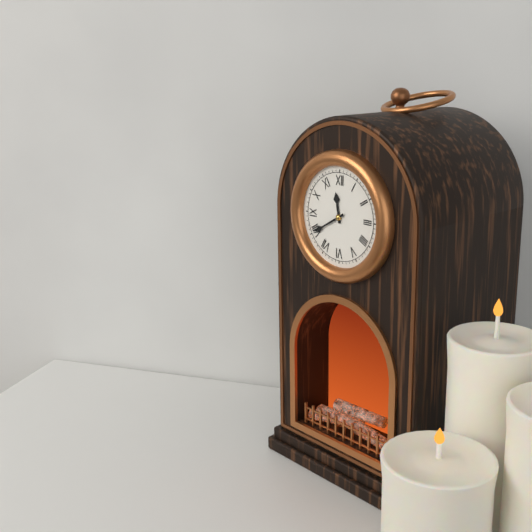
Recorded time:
11,40
